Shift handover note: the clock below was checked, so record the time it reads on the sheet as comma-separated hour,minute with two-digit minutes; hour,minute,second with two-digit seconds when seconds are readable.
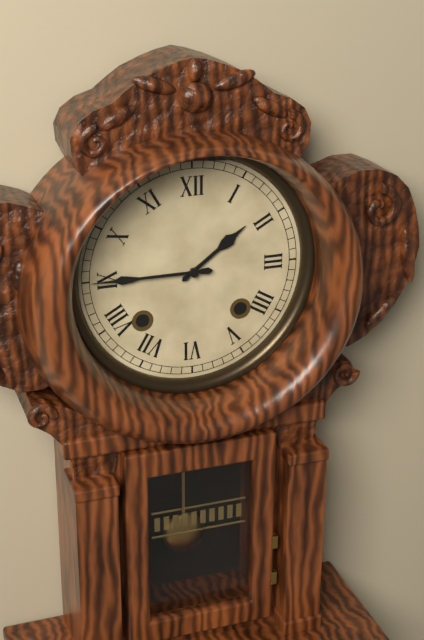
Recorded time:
1,45
